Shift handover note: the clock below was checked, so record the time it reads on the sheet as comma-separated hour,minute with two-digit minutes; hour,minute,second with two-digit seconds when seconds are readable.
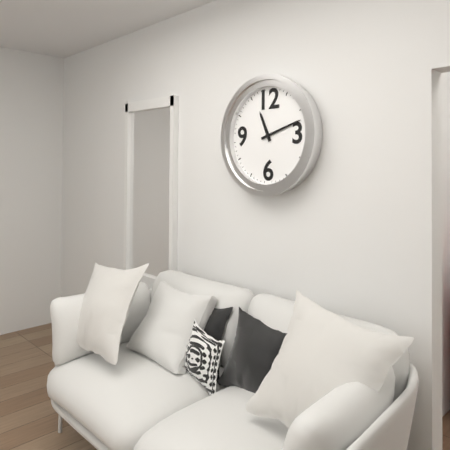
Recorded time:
11,12
